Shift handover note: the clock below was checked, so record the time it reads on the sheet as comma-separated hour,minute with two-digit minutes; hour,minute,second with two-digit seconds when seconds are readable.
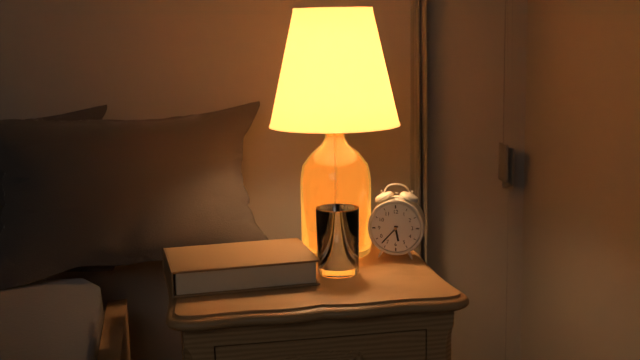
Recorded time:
5,37
